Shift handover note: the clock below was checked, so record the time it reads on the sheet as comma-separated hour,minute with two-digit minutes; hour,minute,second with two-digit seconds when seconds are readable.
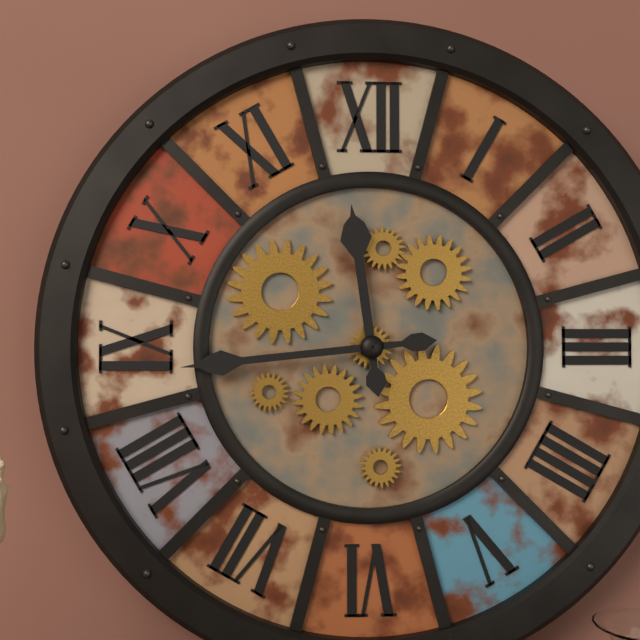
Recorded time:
11,44
